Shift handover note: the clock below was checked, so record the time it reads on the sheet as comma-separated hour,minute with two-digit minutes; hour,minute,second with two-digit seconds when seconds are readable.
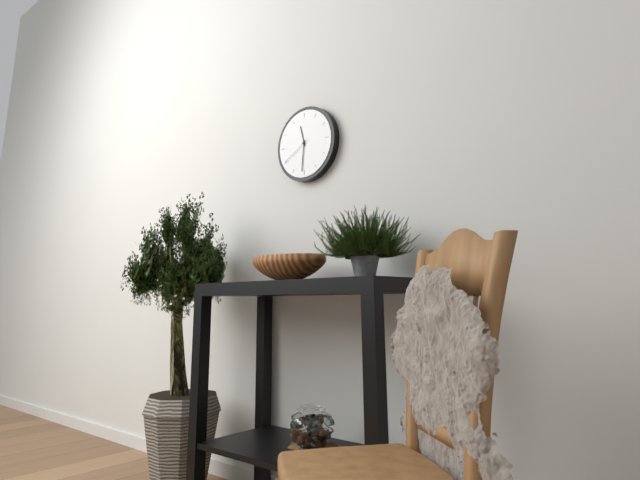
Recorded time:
11,31
